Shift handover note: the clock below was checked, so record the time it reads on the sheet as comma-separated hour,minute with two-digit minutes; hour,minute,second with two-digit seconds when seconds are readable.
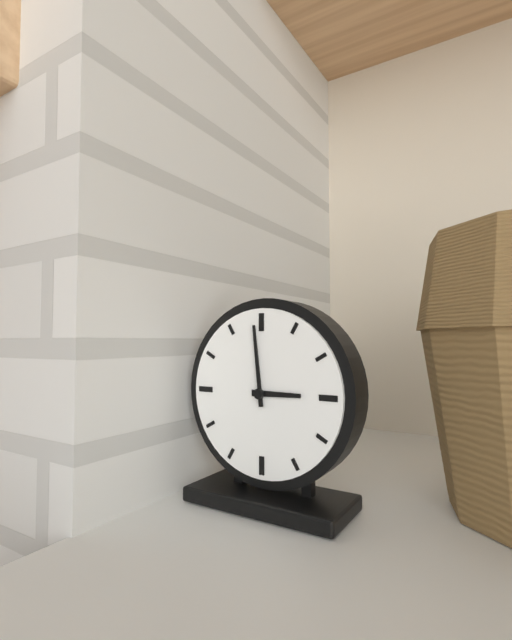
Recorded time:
2,59
